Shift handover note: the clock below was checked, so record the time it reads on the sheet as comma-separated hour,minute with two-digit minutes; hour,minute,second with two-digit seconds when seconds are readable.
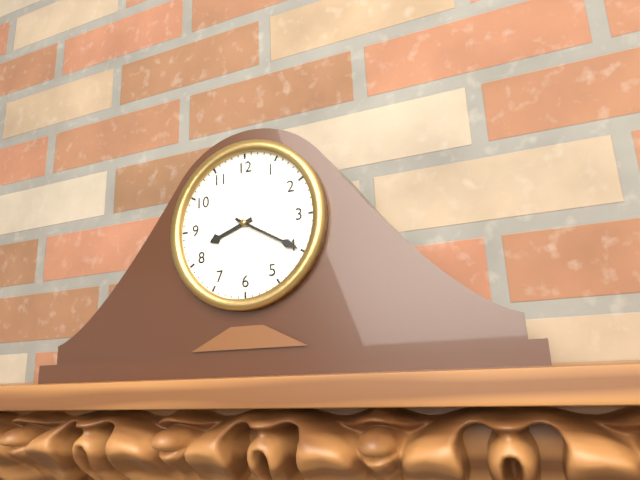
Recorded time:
8,20
